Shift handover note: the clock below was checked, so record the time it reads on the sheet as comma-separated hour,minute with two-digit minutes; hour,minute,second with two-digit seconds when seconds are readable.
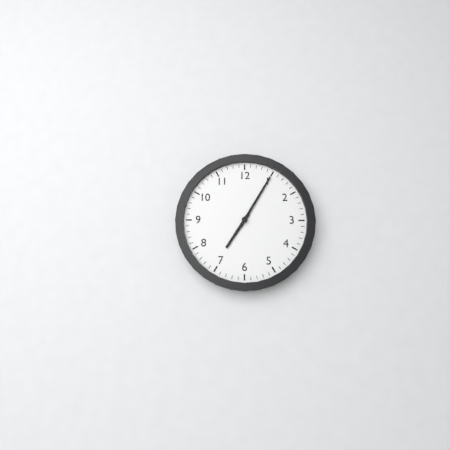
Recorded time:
7,05
